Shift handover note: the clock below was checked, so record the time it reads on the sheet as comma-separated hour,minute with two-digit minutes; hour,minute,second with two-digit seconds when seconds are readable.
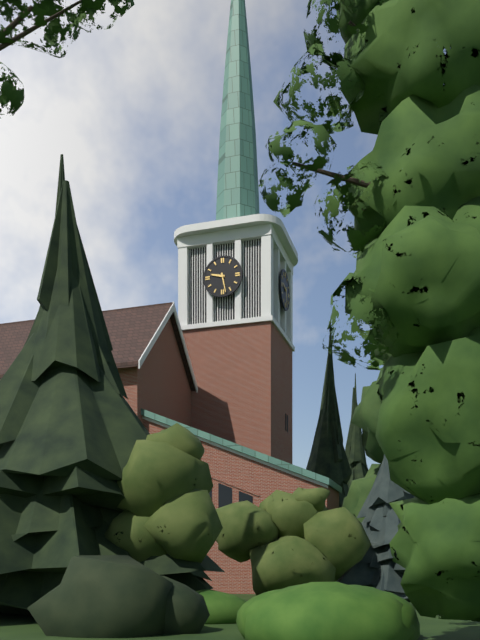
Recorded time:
9,28
